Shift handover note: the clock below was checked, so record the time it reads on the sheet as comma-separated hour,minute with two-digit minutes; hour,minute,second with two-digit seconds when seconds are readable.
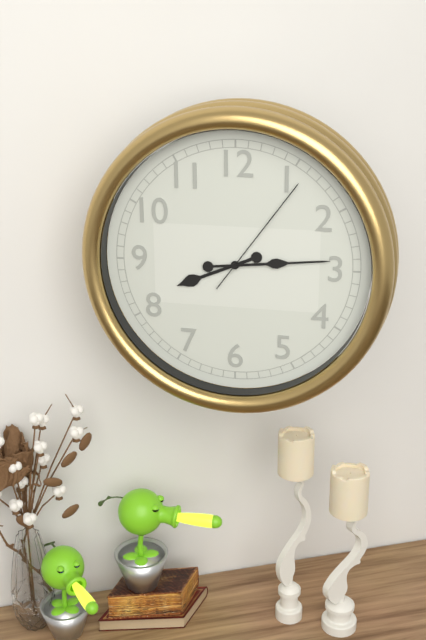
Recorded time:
8,14,06
